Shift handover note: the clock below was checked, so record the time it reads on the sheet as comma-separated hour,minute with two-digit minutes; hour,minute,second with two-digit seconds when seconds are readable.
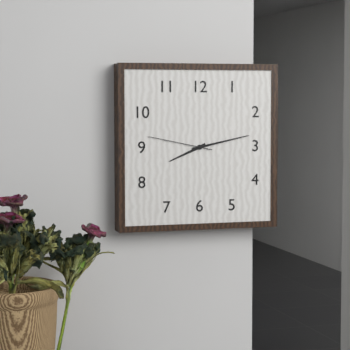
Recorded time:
8,13,47
